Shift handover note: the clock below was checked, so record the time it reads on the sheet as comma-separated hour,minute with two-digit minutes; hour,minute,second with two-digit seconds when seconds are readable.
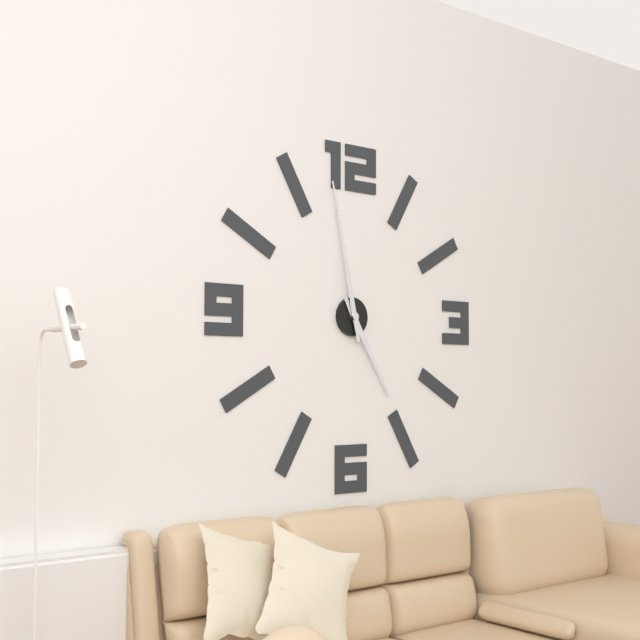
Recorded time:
4,58
